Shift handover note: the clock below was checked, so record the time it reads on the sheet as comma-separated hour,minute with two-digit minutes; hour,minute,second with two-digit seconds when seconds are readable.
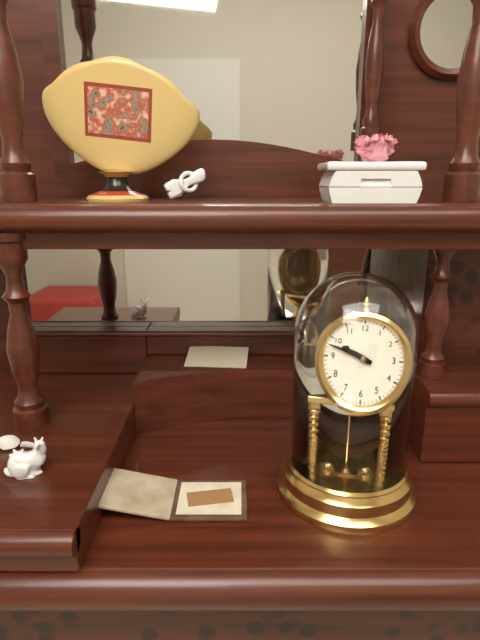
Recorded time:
9,48
